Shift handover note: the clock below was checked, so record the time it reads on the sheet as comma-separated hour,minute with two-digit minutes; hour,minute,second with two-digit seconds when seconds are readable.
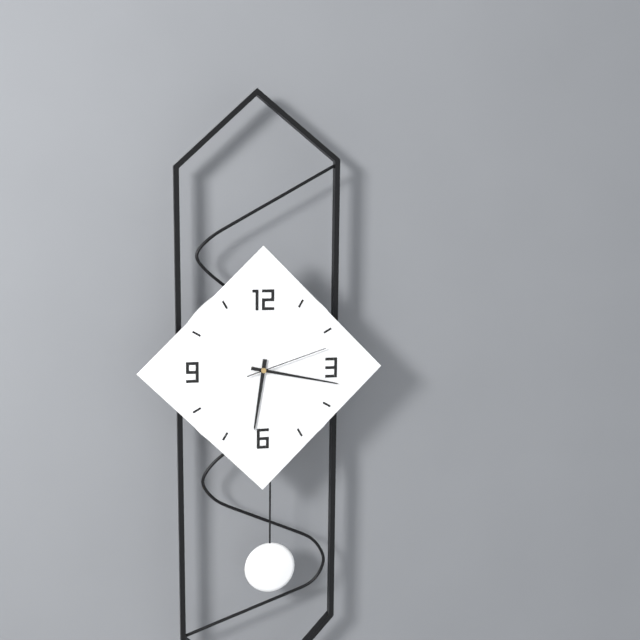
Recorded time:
6,17,12
